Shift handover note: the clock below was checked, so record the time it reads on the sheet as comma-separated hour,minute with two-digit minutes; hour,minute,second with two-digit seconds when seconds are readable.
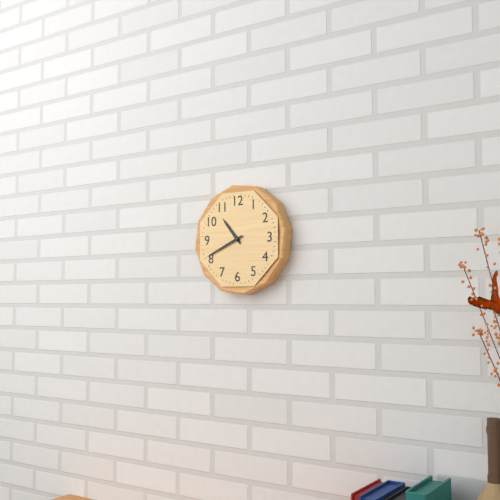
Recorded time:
10,41
